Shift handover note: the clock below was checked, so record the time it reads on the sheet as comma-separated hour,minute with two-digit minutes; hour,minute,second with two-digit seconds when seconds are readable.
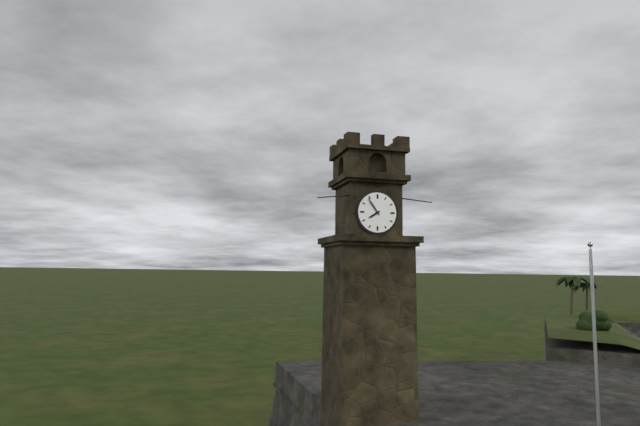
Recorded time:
7,54
